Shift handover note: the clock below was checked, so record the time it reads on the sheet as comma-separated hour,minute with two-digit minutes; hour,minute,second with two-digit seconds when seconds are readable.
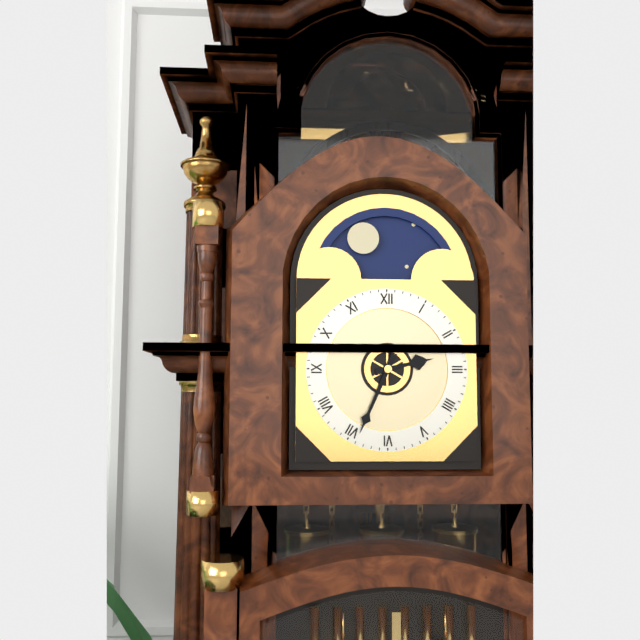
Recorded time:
2,34
